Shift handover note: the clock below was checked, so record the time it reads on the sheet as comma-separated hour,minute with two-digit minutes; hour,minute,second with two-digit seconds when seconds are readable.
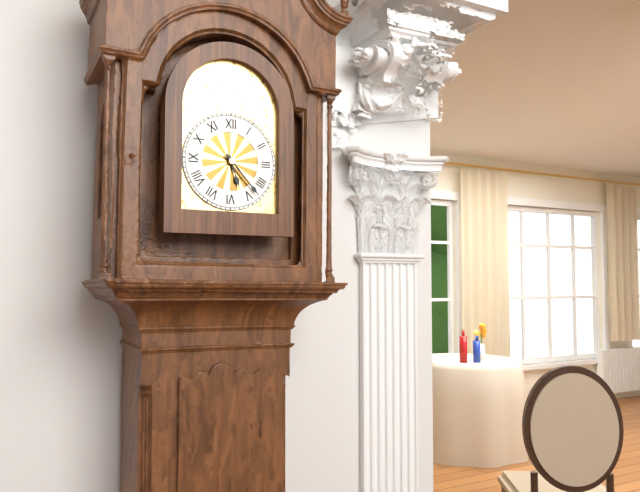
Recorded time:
5,23
